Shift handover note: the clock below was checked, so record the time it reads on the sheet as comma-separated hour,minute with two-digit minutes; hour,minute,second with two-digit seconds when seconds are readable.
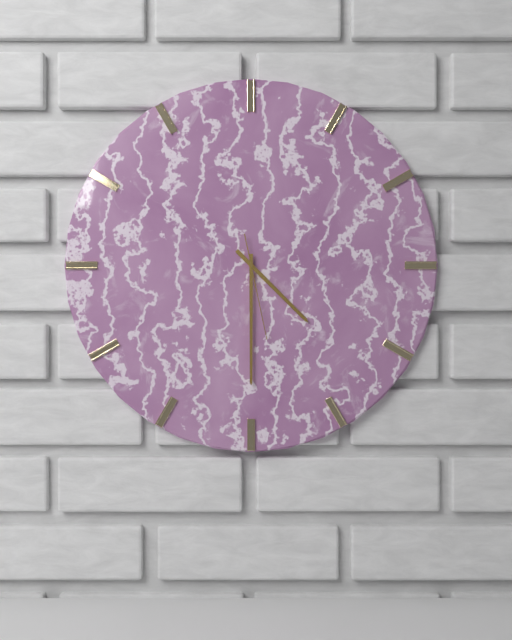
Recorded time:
4,30,28
